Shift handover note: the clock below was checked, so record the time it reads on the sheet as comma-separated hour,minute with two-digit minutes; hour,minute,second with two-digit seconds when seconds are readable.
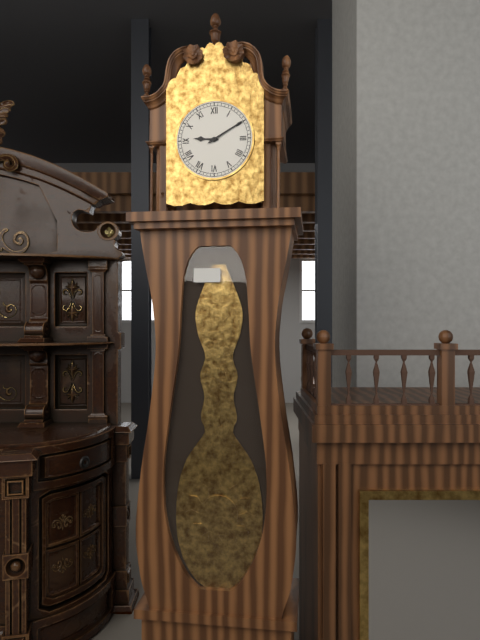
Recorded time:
9,10
